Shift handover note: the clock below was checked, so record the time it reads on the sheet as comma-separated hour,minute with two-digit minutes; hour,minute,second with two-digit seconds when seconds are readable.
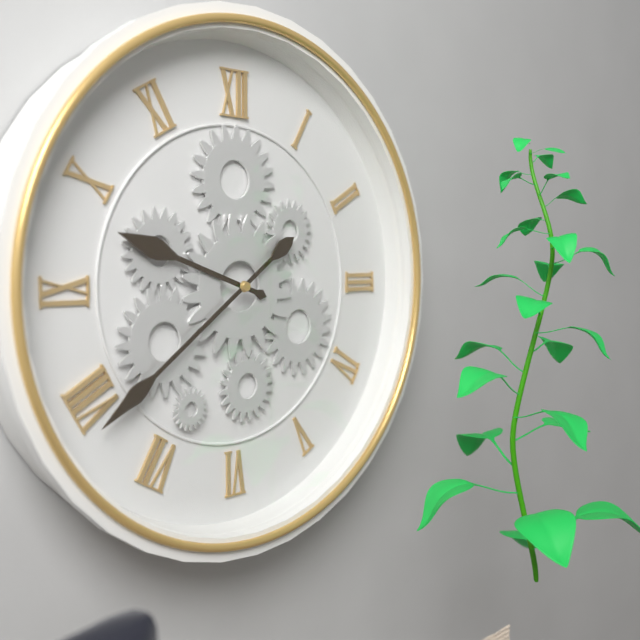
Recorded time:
9,39
